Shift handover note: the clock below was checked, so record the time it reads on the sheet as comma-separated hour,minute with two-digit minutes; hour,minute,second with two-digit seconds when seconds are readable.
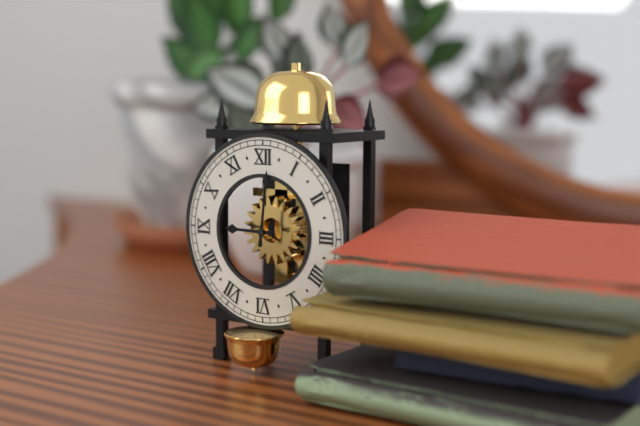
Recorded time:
9,01
